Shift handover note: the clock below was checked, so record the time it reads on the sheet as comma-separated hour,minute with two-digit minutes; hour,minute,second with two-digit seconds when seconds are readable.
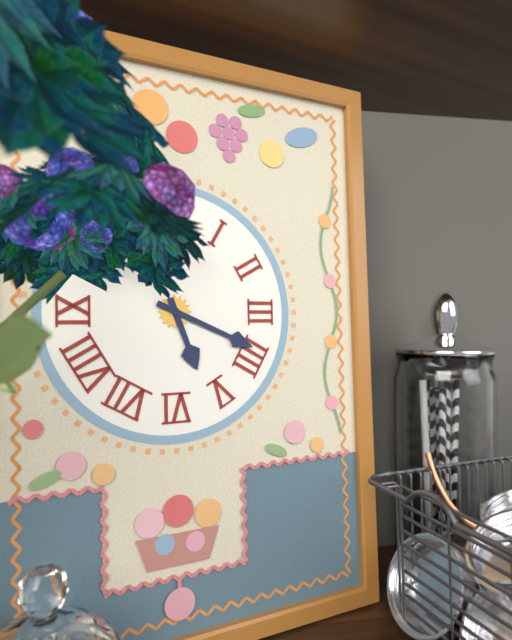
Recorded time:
5,19
